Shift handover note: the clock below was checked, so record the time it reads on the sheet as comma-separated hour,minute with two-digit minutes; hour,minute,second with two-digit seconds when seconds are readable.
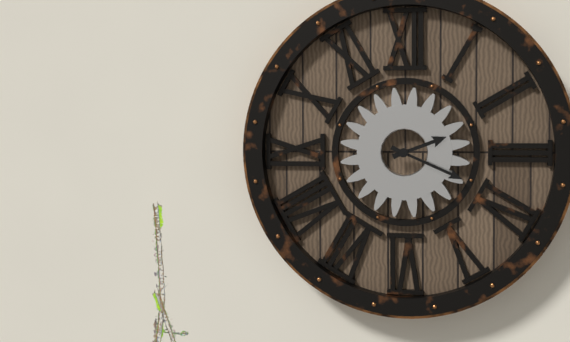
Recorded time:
2,19
